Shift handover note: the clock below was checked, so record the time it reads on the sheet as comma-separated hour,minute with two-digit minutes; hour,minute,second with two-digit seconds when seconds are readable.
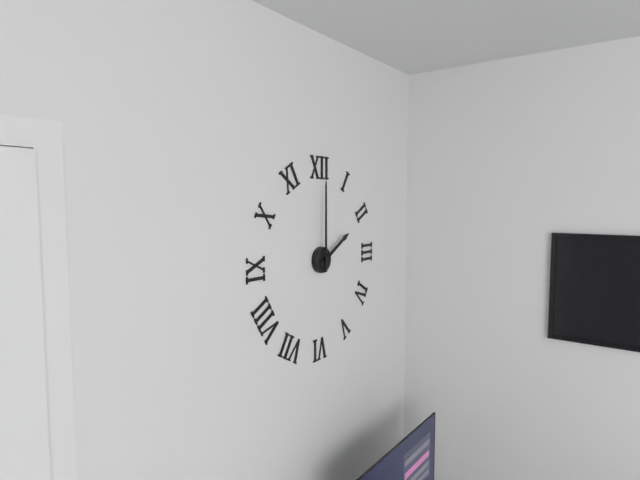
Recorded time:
2,00
